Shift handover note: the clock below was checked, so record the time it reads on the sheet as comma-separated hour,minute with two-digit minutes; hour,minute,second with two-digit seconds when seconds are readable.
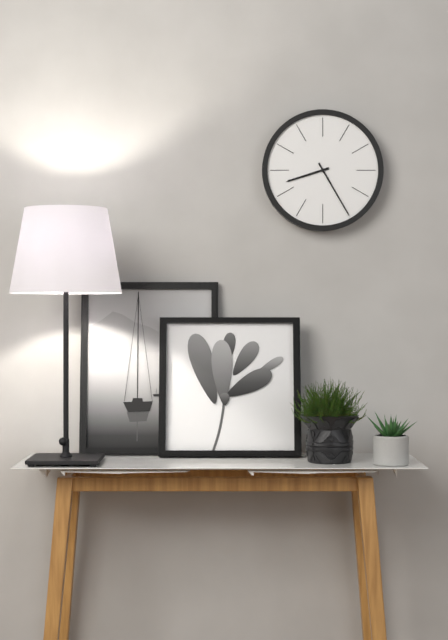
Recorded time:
8,25
